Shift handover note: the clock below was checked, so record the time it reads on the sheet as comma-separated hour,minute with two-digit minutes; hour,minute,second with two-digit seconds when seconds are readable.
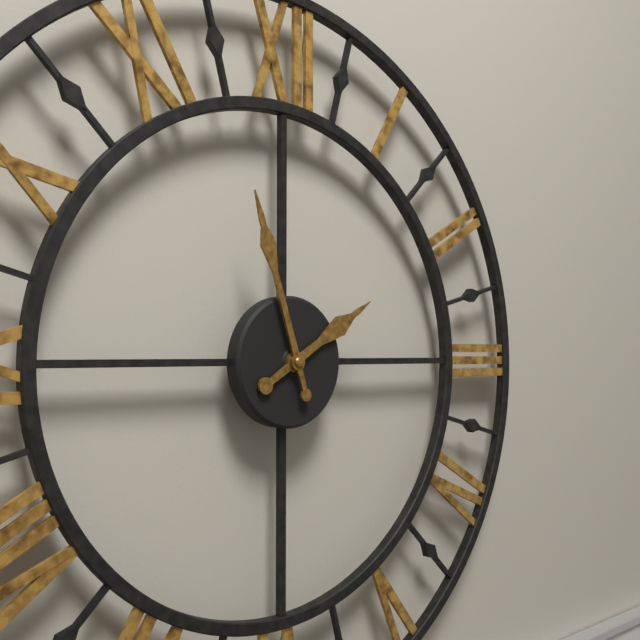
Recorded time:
1,57
